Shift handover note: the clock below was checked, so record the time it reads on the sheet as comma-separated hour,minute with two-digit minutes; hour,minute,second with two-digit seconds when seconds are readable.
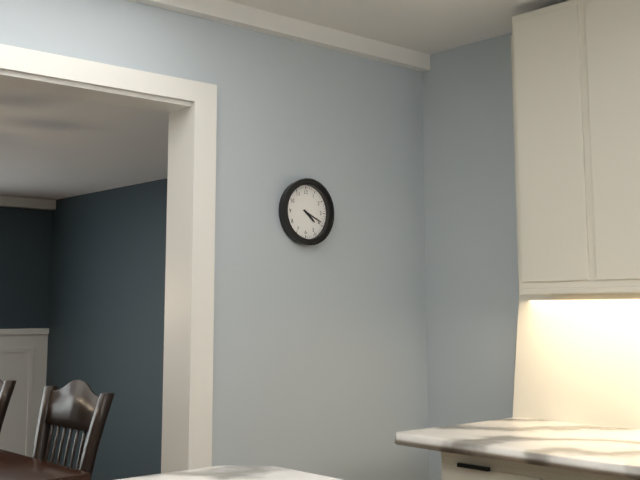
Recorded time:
4,19
